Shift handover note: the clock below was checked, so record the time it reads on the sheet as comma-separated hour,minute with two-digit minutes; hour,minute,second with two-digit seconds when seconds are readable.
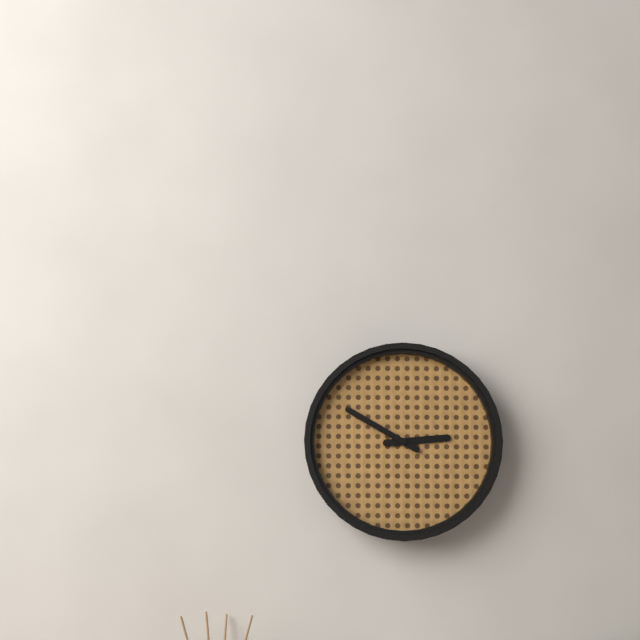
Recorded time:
2,50
